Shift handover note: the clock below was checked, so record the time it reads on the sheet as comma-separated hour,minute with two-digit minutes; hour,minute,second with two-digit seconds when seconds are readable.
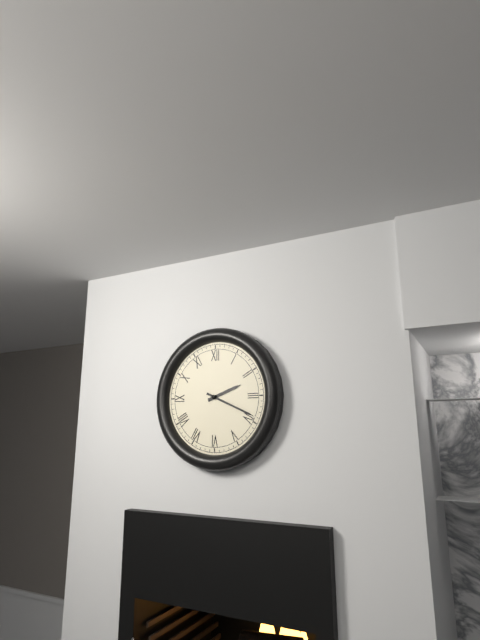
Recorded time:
2,19
